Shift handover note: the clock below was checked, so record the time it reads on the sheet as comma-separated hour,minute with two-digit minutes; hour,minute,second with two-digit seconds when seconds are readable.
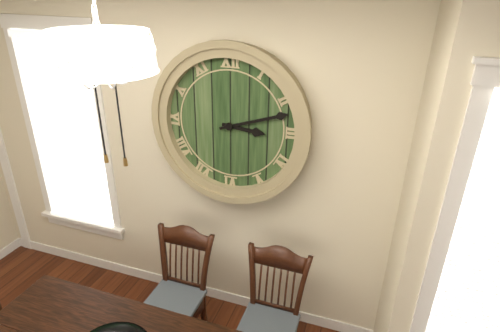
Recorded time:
3,12
